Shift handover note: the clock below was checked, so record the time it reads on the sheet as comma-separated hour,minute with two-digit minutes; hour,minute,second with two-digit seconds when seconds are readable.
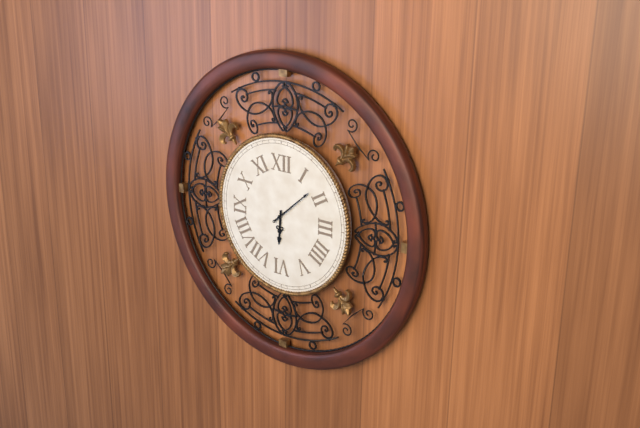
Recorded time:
6,08
